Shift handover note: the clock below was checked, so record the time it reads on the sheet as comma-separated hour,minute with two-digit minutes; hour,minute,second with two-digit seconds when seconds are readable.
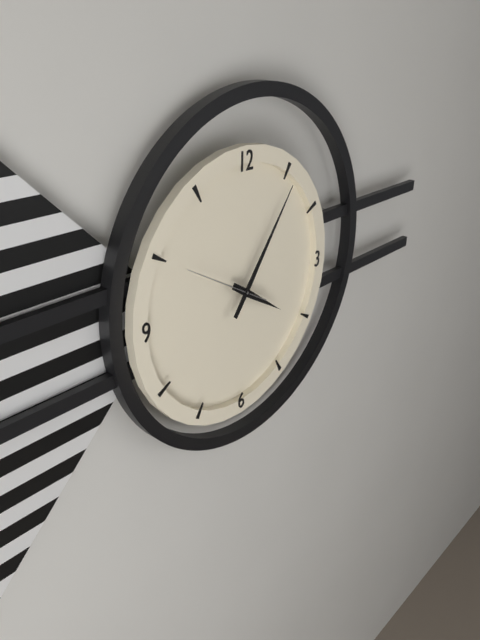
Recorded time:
4,06
